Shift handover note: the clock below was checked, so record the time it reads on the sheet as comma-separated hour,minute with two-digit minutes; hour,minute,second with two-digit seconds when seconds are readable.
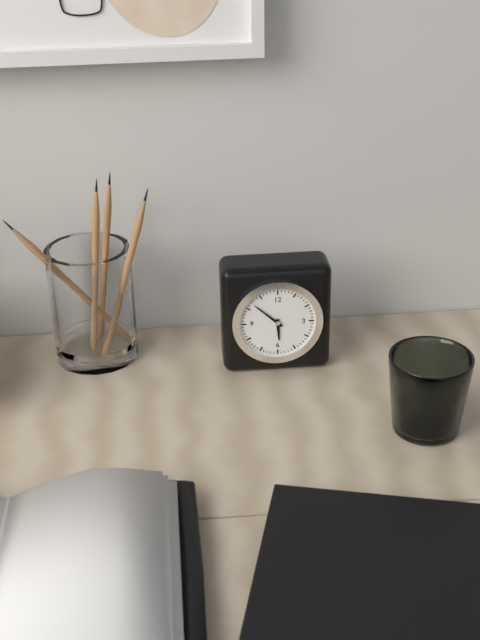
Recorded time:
5,52
